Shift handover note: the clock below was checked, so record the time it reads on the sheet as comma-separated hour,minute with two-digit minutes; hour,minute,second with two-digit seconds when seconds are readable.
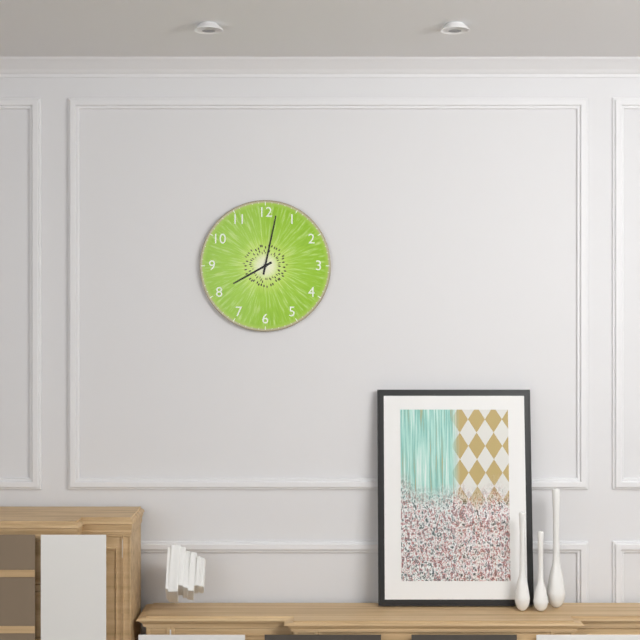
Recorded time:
8,02
